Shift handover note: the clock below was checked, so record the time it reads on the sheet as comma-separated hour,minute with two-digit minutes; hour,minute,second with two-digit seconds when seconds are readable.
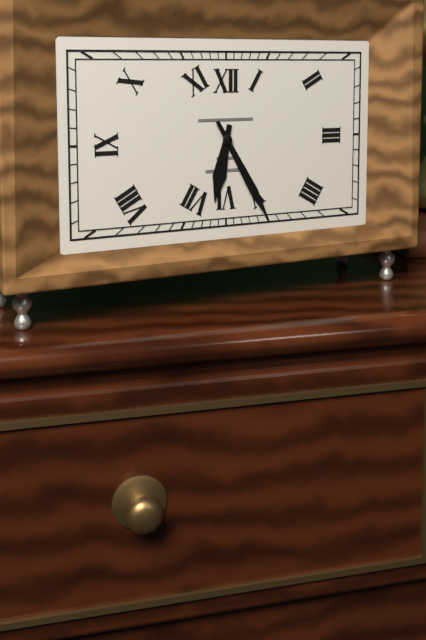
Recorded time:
6,25
